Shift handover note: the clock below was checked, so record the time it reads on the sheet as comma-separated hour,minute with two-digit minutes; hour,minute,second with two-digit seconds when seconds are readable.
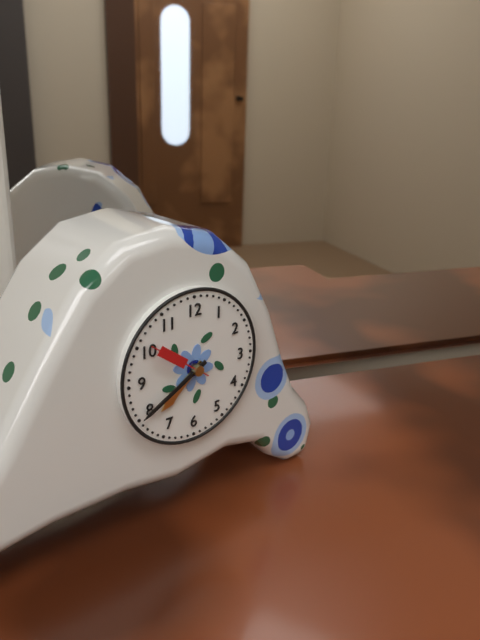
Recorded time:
7,40,51
